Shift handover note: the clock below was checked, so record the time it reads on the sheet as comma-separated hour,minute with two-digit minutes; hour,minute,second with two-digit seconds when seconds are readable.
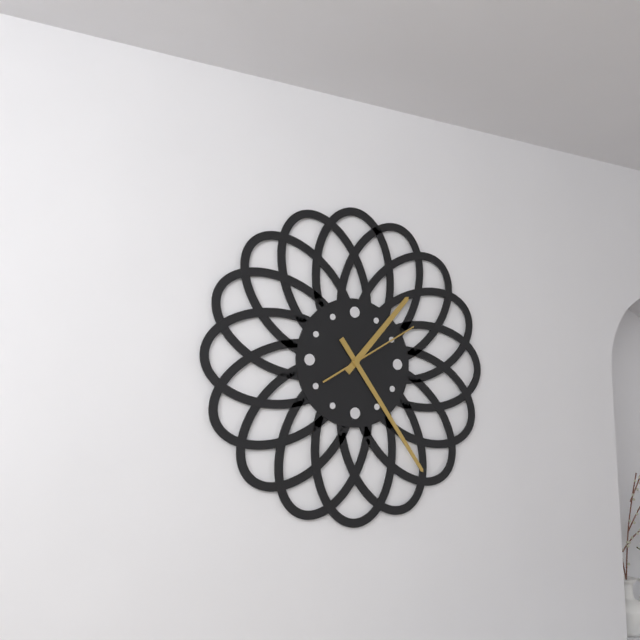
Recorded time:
1,24,10
